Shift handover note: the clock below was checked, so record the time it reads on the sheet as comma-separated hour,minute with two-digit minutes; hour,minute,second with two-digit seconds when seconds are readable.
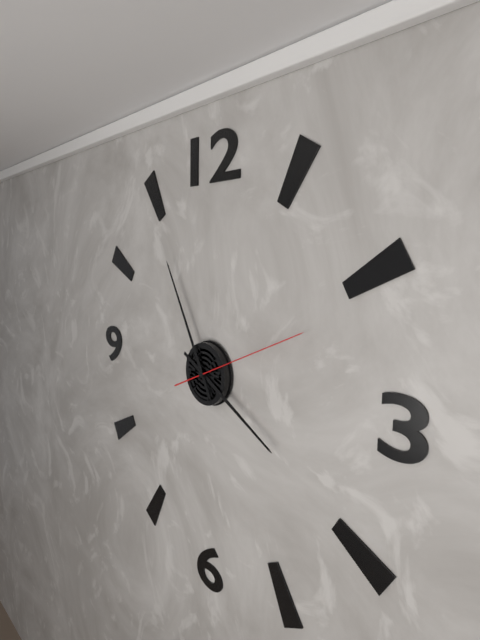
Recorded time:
3,55,11
